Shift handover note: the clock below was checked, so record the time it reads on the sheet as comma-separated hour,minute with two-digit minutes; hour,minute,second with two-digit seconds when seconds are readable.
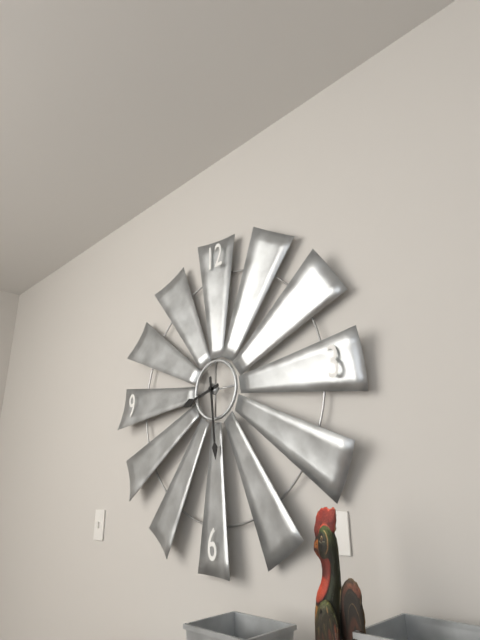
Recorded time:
8,29
